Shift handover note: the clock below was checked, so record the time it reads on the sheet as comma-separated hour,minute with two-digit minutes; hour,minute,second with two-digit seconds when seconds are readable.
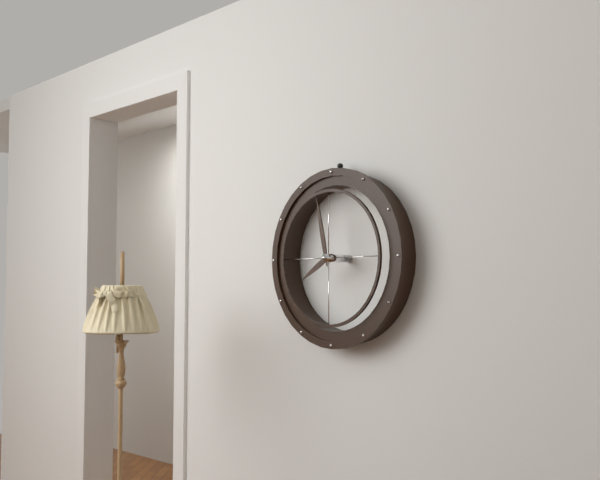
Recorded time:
7,58
